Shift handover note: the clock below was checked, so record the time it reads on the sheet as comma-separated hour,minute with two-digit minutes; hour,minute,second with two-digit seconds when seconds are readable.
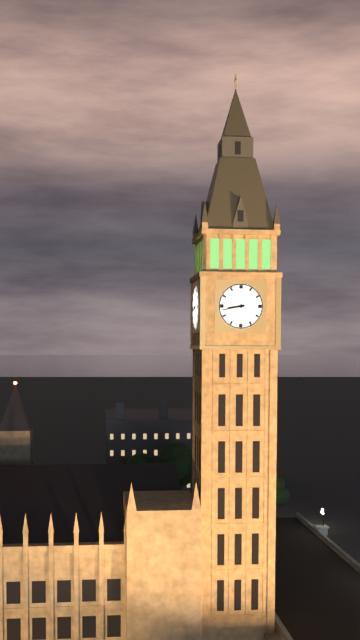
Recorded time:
8,43
